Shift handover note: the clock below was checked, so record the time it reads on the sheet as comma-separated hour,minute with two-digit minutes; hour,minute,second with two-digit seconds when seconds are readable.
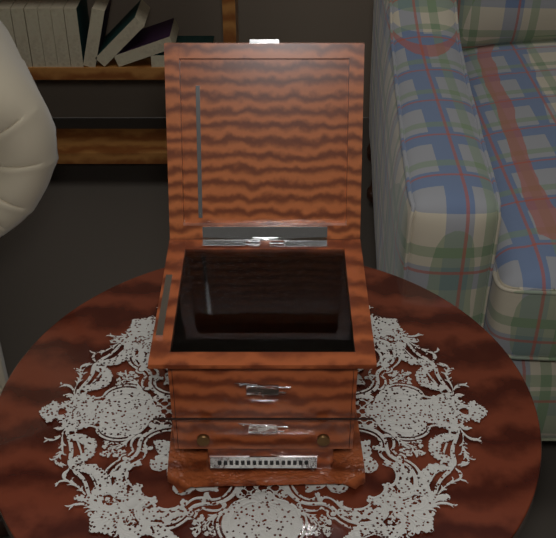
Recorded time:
5,46
